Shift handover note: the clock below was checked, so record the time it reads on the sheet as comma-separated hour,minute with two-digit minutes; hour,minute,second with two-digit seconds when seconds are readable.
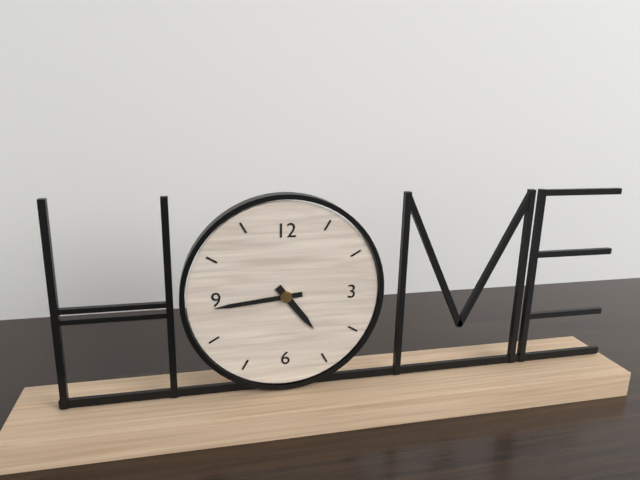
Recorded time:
4,44
